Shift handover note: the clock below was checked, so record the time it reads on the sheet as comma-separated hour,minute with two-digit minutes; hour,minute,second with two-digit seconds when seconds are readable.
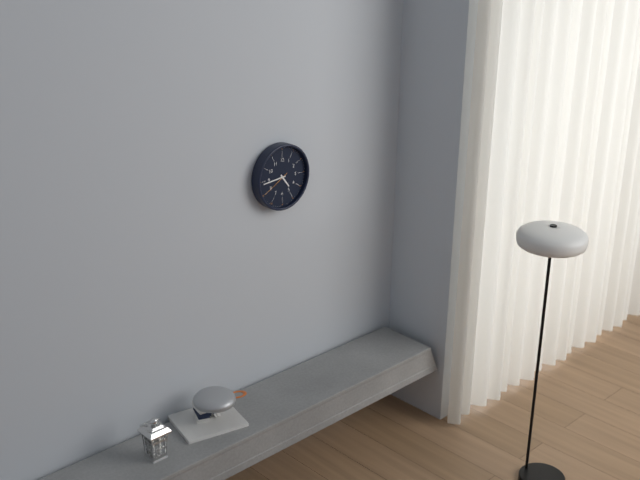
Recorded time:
4,44
